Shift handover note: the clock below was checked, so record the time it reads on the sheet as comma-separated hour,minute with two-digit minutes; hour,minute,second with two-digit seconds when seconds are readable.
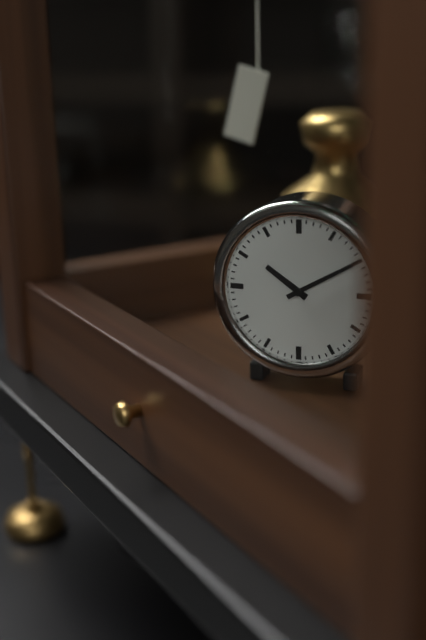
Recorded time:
10,10
